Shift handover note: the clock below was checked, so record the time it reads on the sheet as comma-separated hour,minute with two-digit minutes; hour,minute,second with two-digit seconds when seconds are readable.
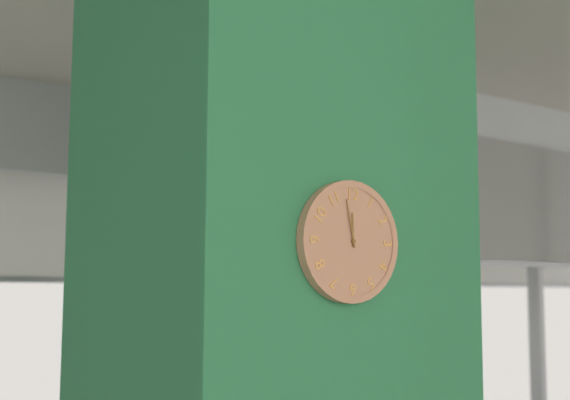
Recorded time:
11,58
